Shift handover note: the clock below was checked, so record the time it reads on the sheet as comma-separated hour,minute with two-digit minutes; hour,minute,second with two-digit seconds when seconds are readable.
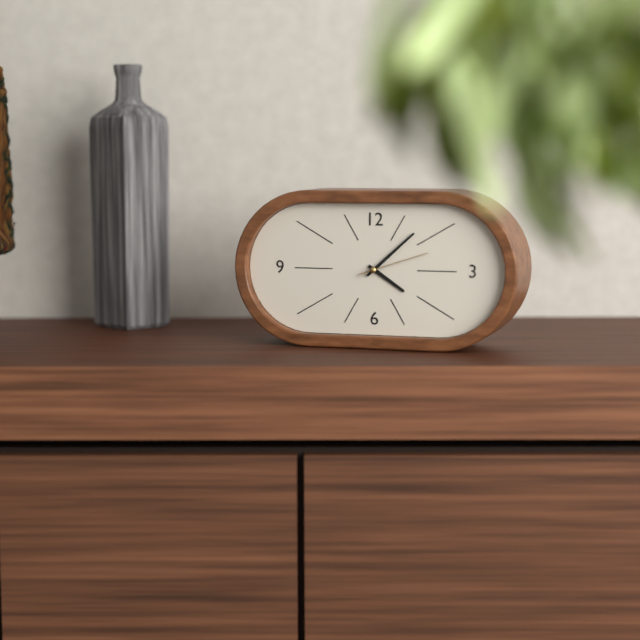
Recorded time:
4,08,12
